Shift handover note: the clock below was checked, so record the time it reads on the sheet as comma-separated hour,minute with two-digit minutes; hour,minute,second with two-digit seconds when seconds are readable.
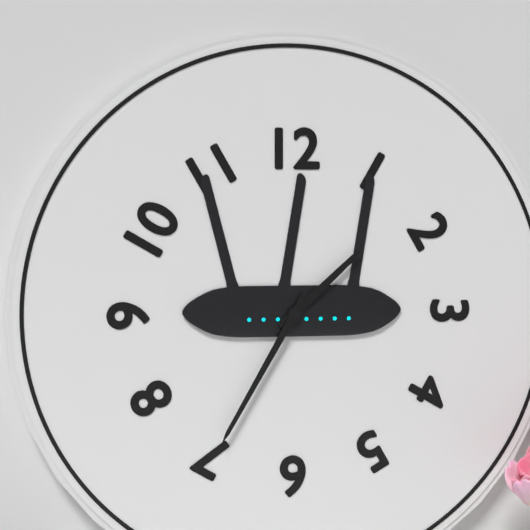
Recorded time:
1,35
